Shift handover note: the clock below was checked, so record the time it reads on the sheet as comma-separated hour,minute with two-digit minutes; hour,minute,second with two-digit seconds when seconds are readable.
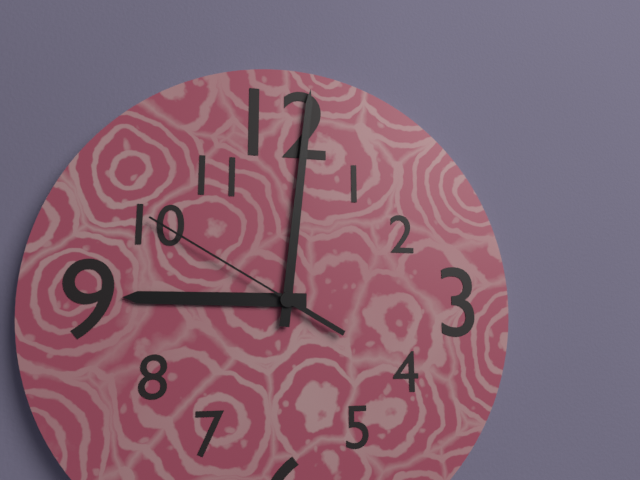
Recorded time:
9,01,50
